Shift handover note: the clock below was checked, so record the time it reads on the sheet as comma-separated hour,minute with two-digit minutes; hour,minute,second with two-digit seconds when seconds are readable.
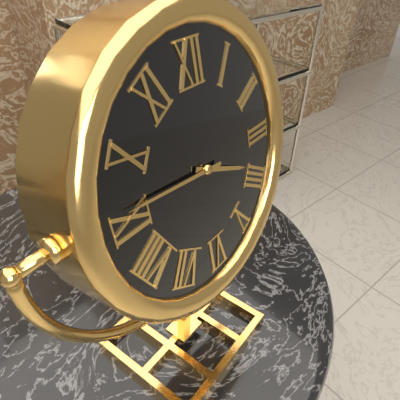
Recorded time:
3,46
